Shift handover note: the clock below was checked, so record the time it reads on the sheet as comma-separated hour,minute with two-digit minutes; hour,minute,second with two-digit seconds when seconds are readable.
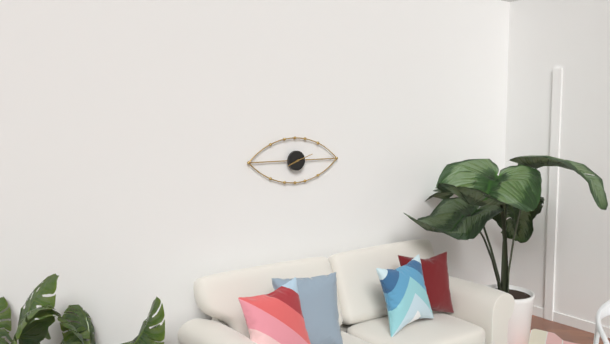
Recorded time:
8,12
